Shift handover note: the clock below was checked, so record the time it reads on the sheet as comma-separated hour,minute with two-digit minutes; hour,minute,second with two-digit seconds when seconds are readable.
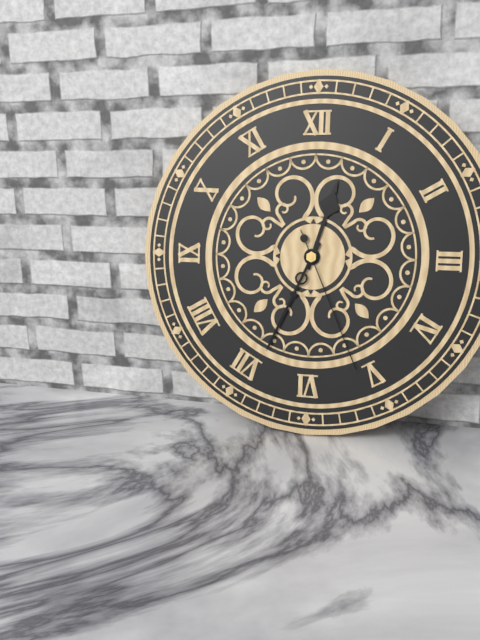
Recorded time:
12,34,26
